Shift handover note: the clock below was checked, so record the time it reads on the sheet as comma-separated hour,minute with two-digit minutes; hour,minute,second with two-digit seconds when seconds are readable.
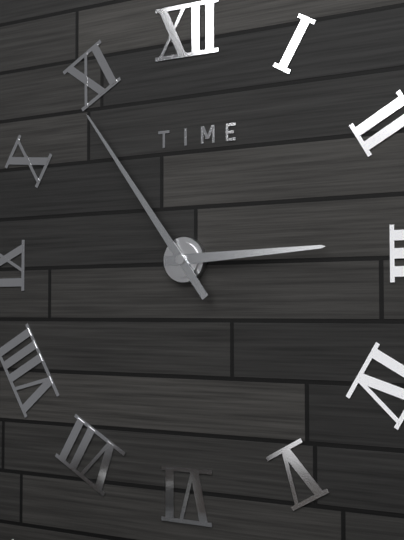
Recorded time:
2,54
